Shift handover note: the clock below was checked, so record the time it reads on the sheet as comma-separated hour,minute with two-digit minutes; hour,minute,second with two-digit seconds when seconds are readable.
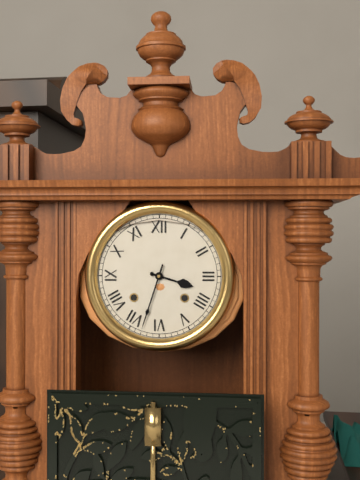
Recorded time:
3,33
